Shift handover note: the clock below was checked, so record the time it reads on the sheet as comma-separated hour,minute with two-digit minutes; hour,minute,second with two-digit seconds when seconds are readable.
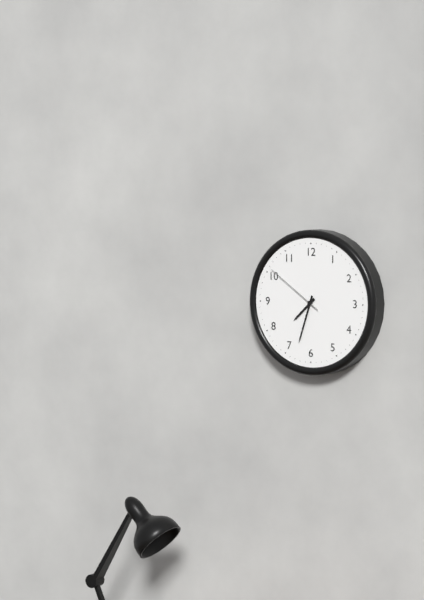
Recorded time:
7,33,51
